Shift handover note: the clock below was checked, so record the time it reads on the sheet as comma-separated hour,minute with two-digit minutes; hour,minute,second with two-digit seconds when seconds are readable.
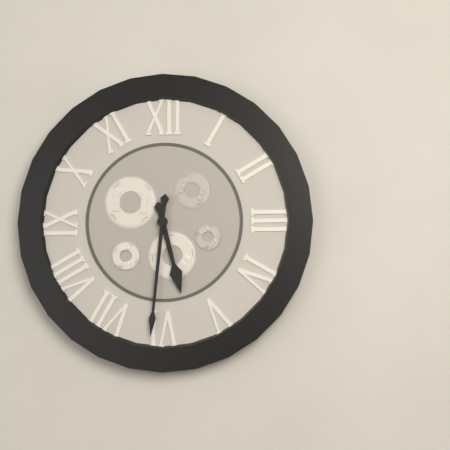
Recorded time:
5,31
